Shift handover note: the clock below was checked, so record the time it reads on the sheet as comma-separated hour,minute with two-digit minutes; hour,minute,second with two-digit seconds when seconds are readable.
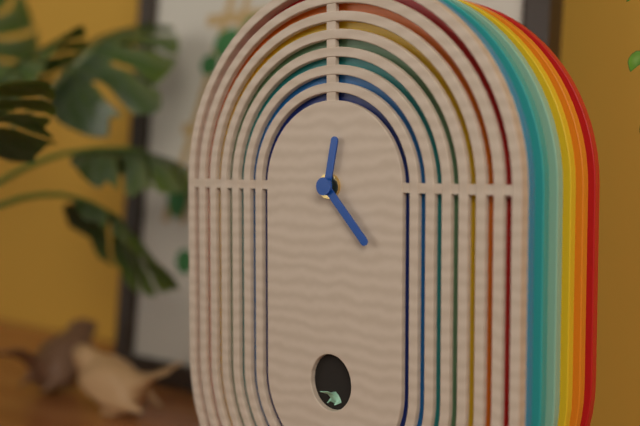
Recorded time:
12,23
